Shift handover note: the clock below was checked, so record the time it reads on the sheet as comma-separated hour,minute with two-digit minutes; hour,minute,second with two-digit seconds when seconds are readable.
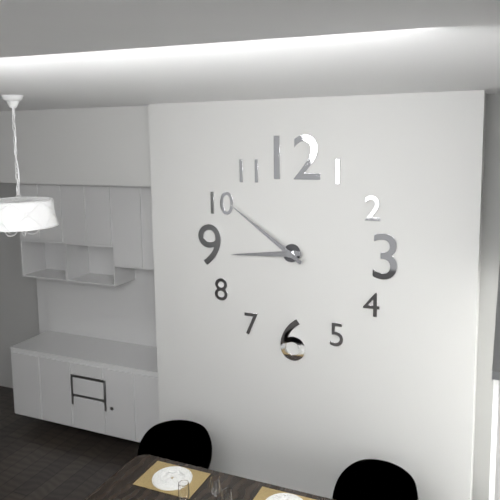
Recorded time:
8,51
